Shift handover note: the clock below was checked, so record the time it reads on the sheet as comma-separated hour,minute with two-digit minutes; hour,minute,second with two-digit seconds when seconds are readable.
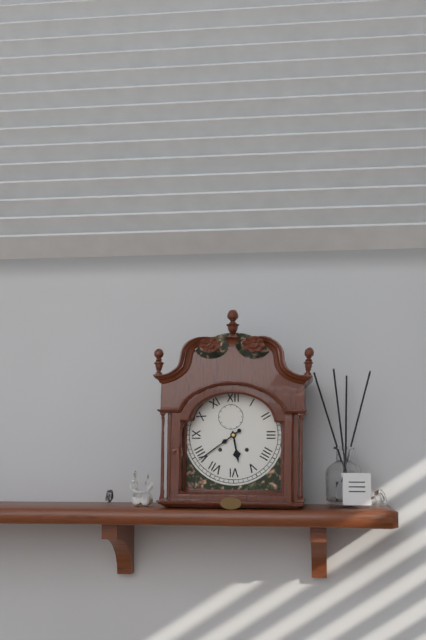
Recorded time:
5,39
